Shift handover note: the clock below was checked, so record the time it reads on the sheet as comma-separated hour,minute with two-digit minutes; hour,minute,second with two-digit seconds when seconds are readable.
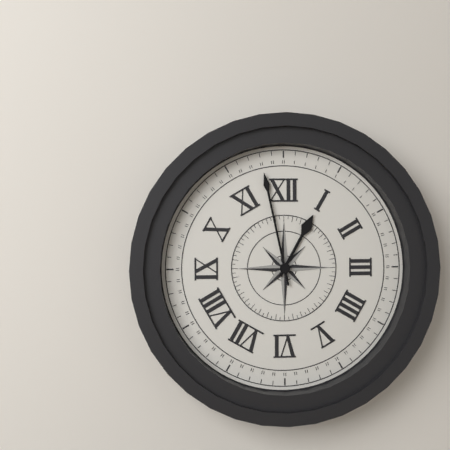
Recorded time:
12,58
